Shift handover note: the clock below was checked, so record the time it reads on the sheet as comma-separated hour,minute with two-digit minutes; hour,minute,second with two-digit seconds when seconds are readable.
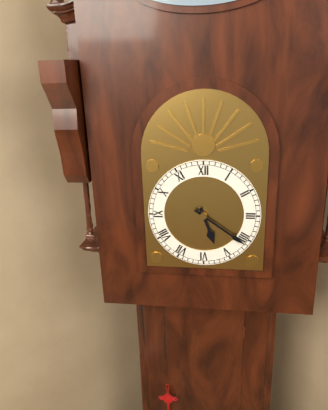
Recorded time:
5,21
